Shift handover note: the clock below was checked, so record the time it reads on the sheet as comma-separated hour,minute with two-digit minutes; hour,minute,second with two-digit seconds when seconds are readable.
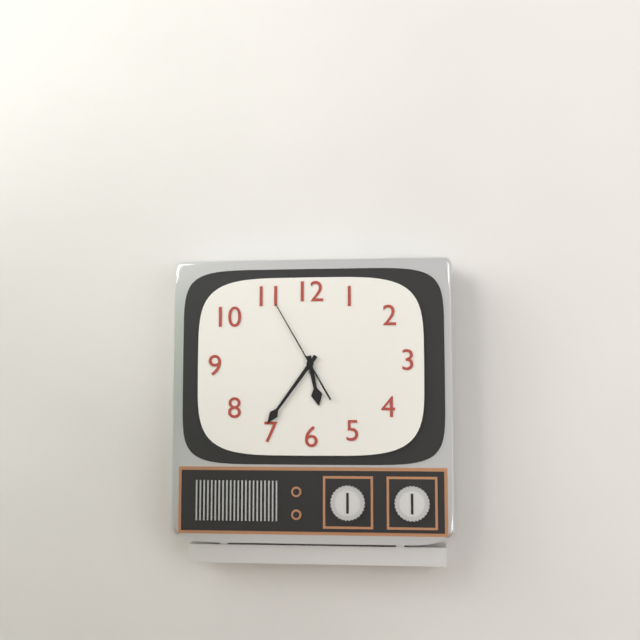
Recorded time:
5,36,55
